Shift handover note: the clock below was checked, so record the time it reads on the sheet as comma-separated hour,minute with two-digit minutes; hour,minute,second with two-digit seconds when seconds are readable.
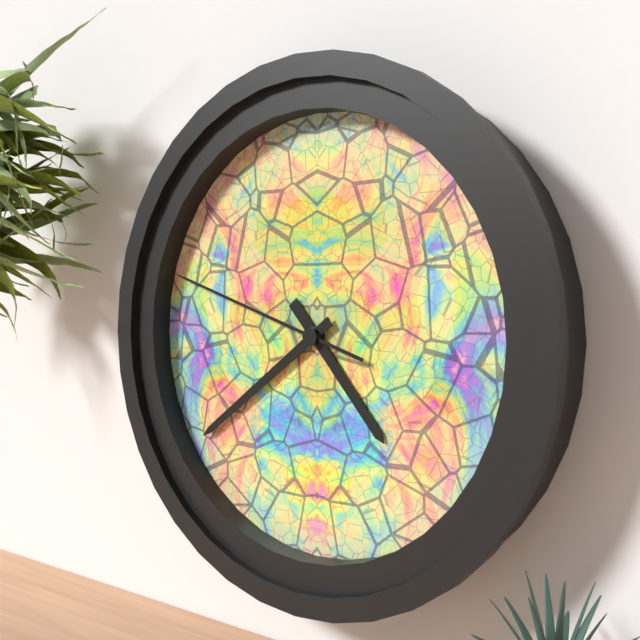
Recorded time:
4,39,48
